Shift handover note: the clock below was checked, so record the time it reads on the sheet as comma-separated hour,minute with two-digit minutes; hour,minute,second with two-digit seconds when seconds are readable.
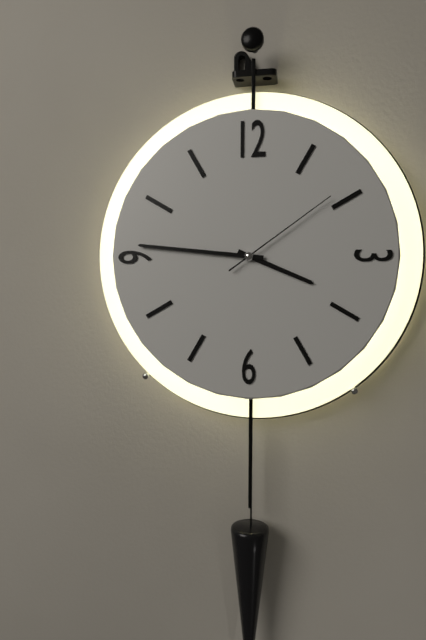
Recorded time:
3,46,09
